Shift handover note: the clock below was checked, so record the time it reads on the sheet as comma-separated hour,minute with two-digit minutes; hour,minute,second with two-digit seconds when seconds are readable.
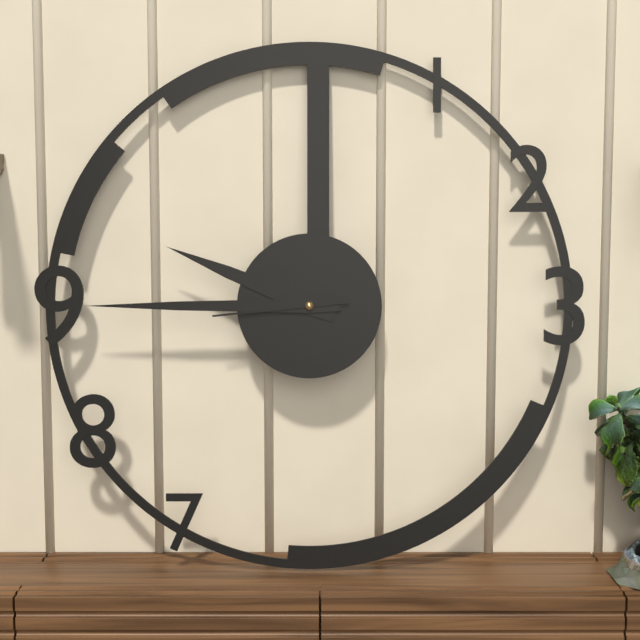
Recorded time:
9,45,44
